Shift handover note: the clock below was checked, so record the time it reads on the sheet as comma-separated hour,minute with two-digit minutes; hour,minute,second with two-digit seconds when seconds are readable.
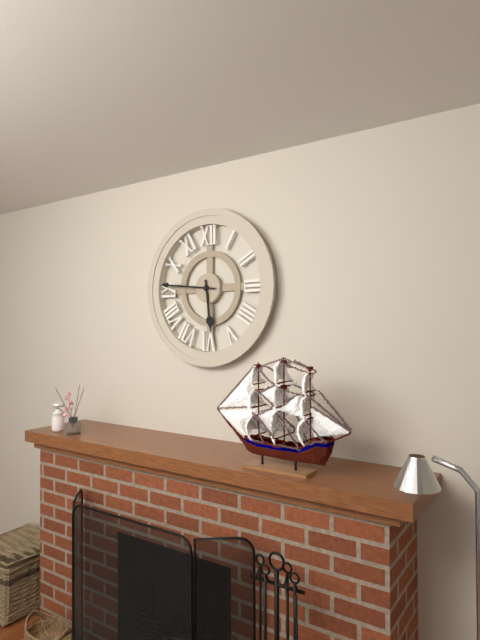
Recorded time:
5,46
